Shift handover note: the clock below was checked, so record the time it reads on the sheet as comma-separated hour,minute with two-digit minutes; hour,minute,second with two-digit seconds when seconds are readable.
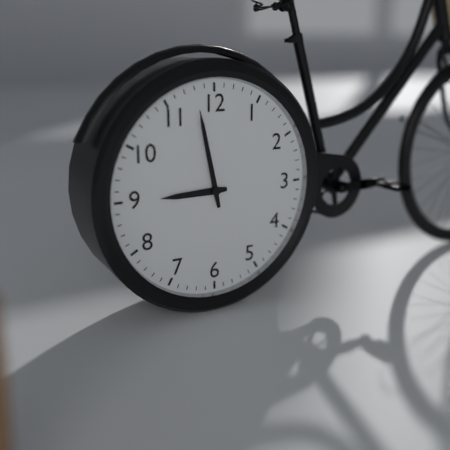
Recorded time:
8,58
